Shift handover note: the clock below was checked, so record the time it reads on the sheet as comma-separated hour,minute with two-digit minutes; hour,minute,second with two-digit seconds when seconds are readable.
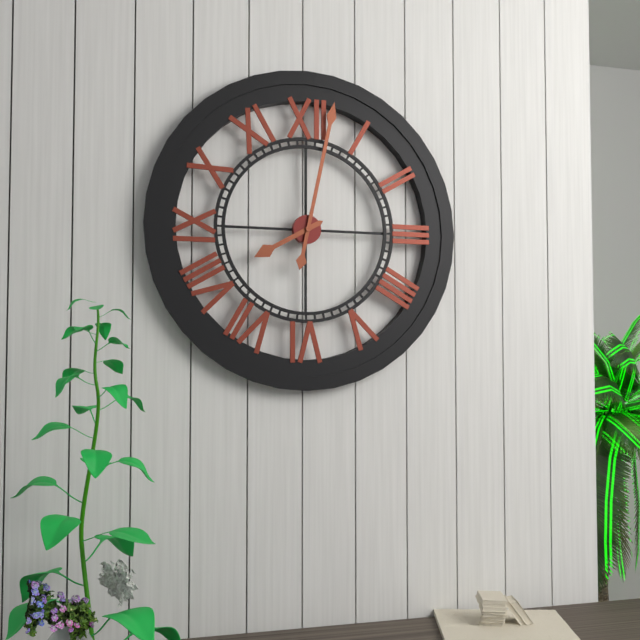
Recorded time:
8,02
